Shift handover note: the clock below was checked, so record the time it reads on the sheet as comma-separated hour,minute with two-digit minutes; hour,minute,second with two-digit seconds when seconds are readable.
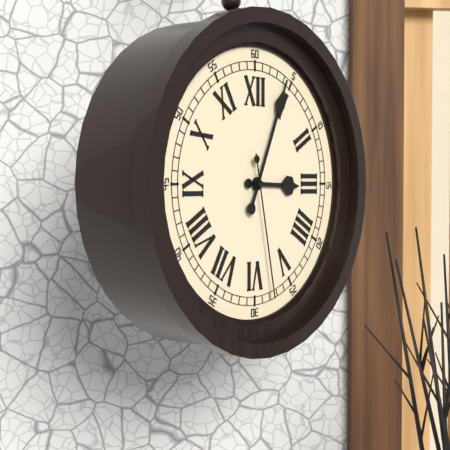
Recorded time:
3,04,28
